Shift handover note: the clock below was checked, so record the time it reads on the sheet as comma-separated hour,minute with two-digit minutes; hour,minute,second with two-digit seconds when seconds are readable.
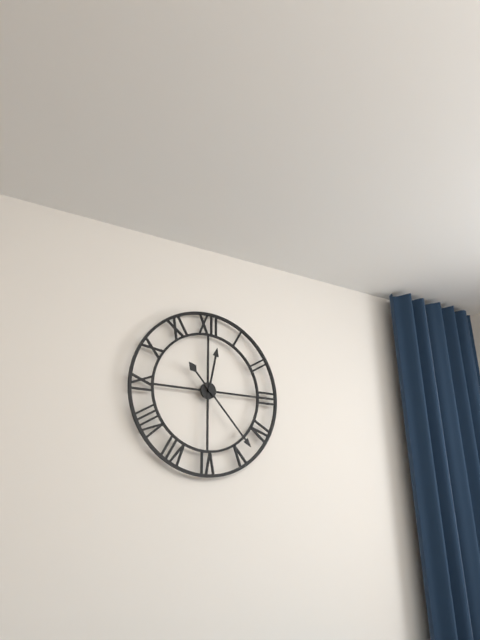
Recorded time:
12,23
